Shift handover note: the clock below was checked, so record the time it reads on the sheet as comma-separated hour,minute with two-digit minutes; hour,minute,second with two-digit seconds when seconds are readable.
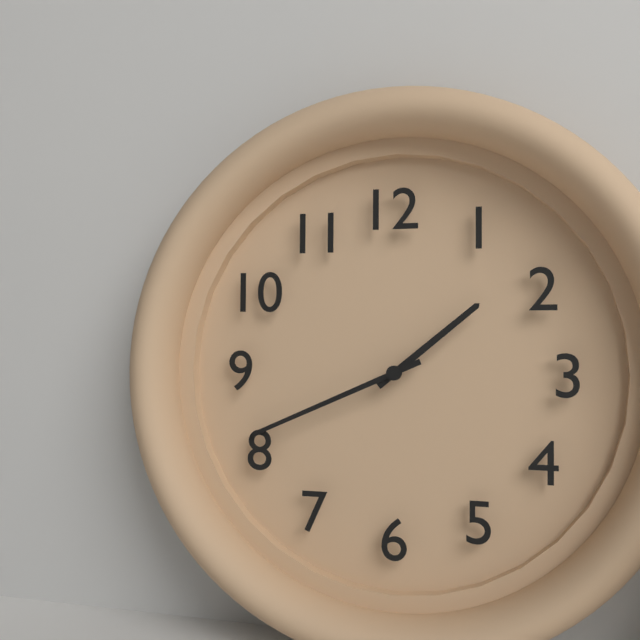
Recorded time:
1,41
